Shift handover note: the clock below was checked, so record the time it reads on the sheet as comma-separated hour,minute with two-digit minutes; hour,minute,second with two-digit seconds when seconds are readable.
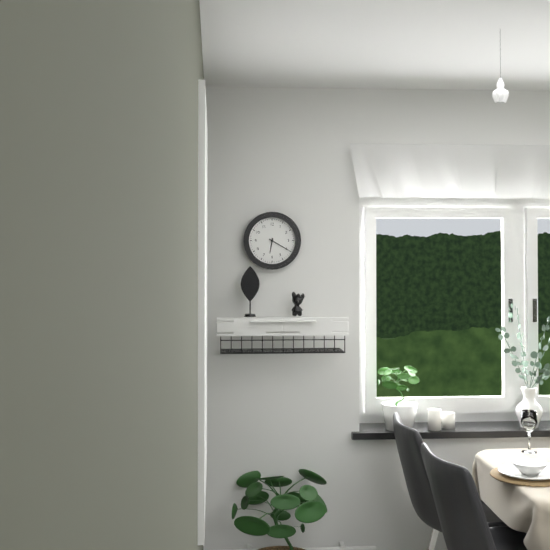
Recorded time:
6,20
